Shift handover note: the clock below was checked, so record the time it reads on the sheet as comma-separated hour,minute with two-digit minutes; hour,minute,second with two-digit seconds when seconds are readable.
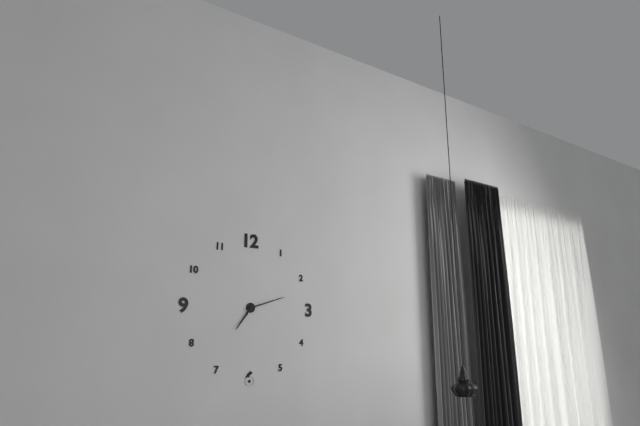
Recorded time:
7,12
